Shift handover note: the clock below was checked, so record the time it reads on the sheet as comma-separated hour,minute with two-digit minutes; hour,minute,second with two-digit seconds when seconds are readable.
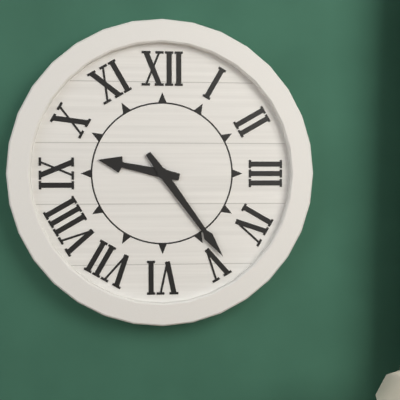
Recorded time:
9,24
